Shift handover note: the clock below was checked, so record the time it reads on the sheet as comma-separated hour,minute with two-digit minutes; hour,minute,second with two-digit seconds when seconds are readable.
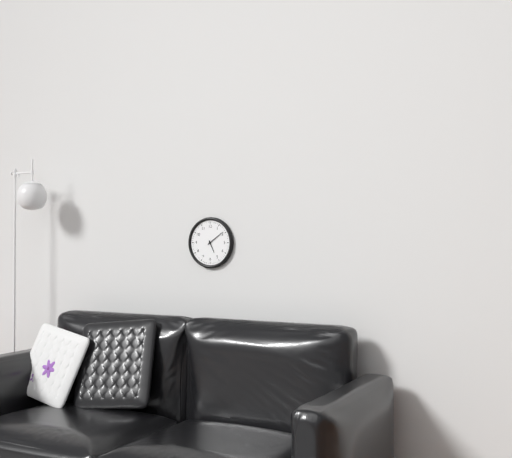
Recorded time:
5,09
